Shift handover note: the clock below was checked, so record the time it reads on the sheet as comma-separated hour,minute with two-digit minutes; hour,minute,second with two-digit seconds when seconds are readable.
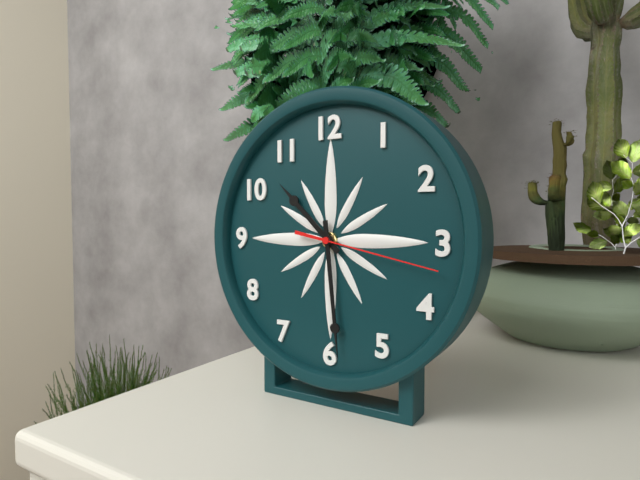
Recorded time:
10,29,17
